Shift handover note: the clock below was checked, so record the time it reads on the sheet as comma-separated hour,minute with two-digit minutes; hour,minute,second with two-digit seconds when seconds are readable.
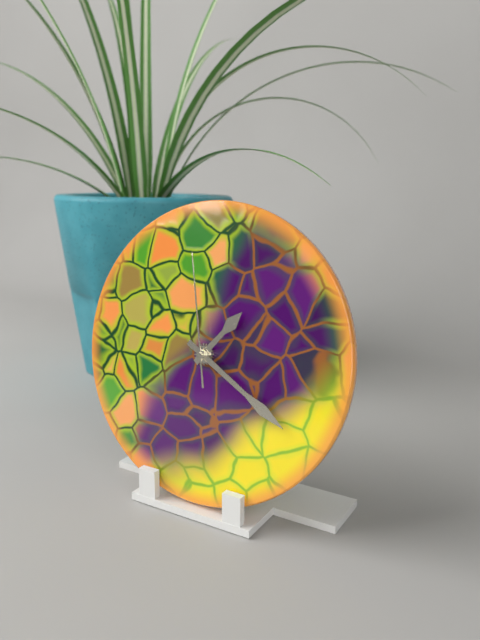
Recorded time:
1,20,58
